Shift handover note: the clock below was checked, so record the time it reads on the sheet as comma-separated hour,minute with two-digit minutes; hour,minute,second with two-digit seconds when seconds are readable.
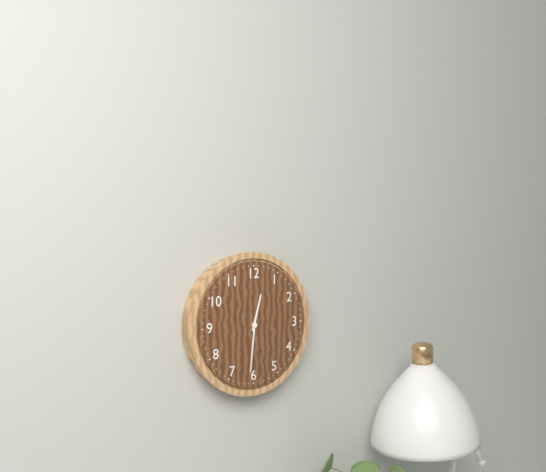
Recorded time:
12,31
